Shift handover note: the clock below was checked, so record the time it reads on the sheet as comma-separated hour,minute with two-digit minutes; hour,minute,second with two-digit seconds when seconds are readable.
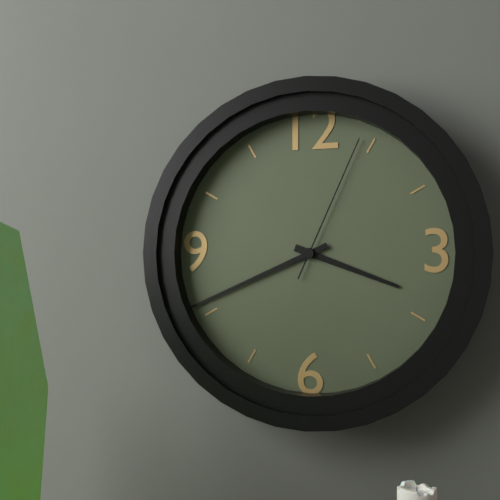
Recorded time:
3,41,04
